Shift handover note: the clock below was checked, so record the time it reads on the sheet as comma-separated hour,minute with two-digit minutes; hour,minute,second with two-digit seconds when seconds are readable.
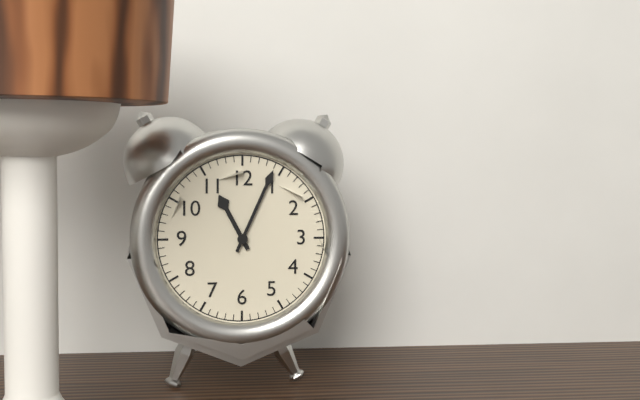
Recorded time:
11,04
